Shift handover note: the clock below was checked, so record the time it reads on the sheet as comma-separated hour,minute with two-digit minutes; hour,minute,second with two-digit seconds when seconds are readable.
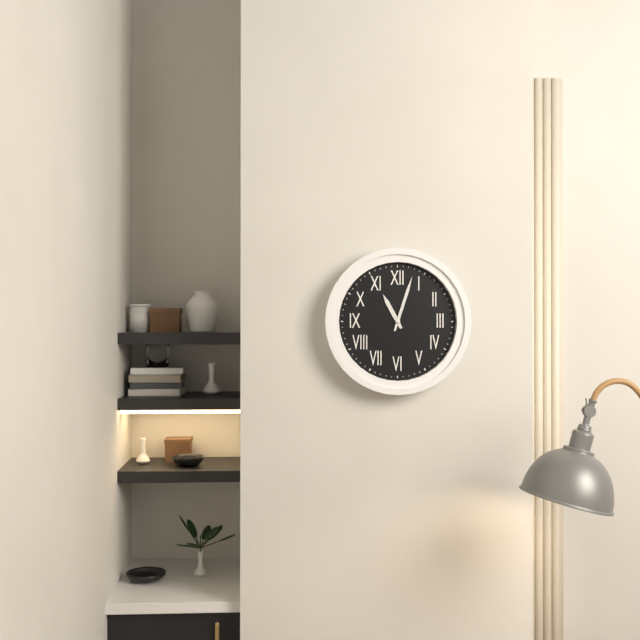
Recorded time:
11,03
